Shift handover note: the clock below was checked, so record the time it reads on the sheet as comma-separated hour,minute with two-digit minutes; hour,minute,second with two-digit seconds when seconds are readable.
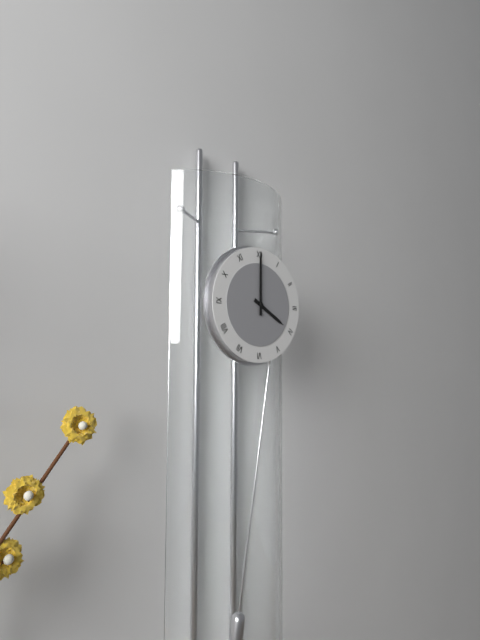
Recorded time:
4,00
